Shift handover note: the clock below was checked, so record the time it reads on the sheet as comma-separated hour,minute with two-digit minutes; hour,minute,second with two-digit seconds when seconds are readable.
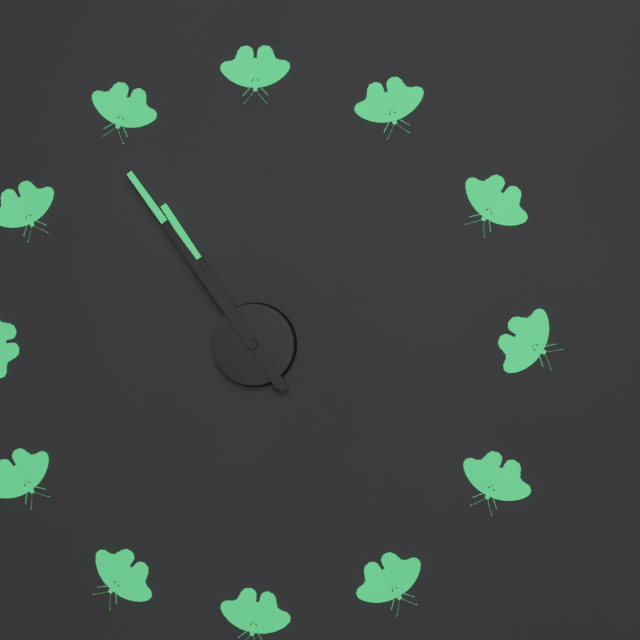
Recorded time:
10,54
